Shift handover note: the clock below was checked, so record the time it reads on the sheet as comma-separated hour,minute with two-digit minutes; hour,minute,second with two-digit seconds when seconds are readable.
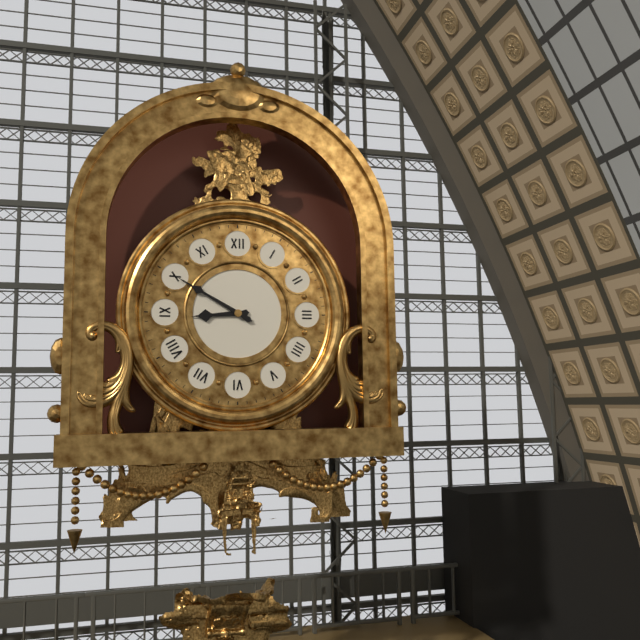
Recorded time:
8,50
